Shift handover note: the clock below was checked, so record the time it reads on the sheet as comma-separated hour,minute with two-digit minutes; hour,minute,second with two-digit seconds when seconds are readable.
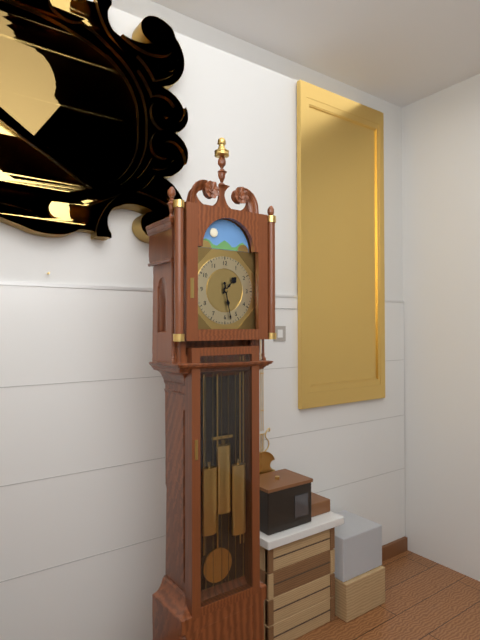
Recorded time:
1,28
